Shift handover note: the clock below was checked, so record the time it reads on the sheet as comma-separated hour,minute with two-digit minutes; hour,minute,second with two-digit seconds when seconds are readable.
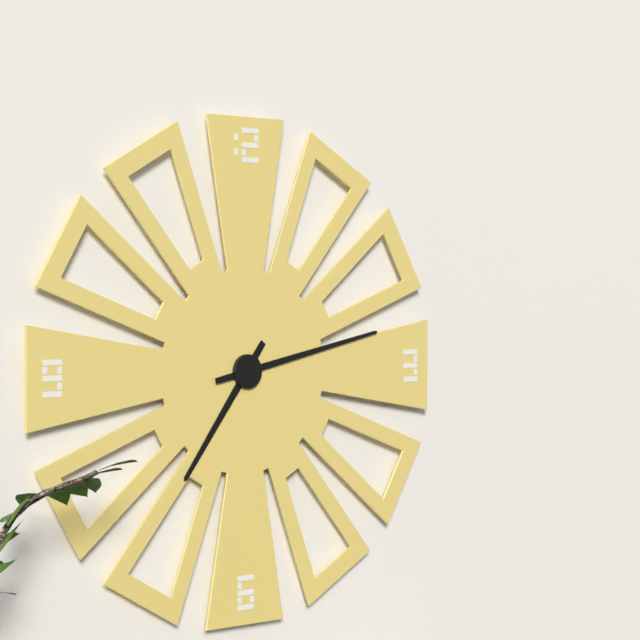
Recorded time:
7,13
